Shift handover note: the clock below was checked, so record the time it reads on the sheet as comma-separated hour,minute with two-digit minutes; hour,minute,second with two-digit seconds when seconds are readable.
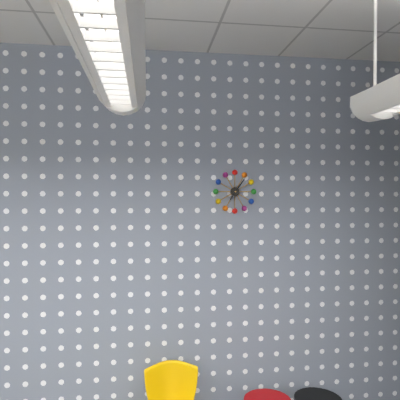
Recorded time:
7,06
